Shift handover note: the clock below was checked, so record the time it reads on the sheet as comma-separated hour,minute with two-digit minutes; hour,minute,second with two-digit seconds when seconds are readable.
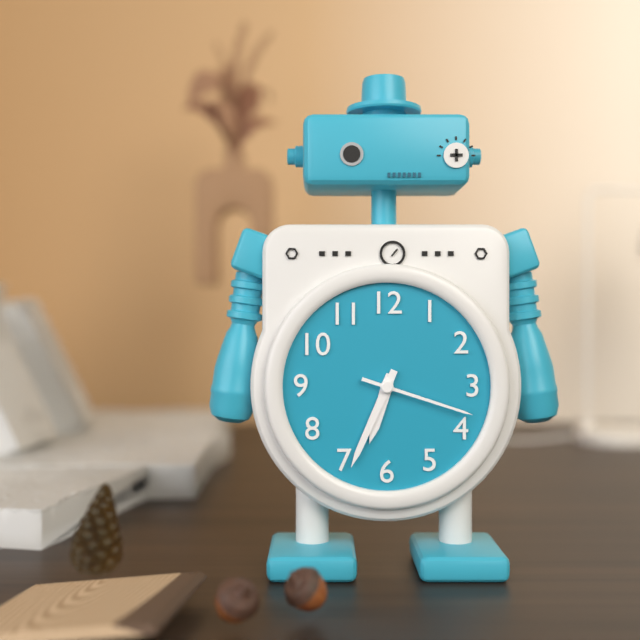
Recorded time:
6,34,18
